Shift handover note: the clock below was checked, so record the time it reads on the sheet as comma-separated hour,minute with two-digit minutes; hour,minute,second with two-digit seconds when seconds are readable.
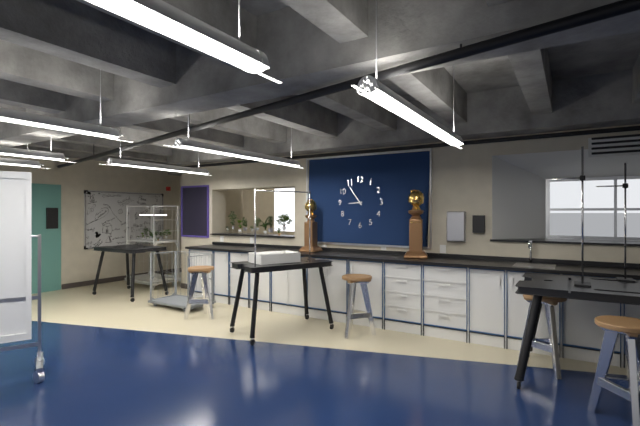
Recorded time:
8,54
